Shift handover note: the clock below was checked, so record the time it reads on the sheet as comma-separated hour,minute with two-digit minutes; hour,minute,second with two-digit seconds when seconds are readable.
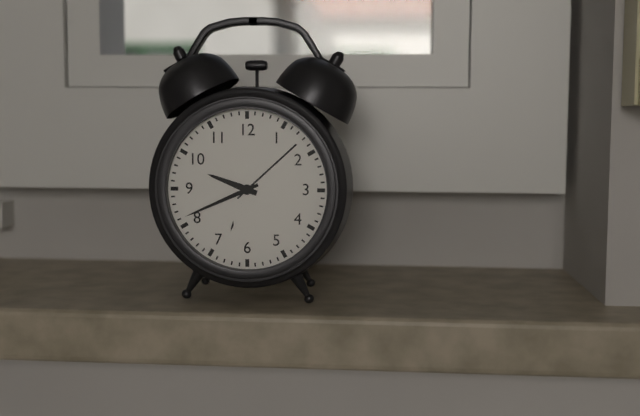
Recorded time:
9,41
